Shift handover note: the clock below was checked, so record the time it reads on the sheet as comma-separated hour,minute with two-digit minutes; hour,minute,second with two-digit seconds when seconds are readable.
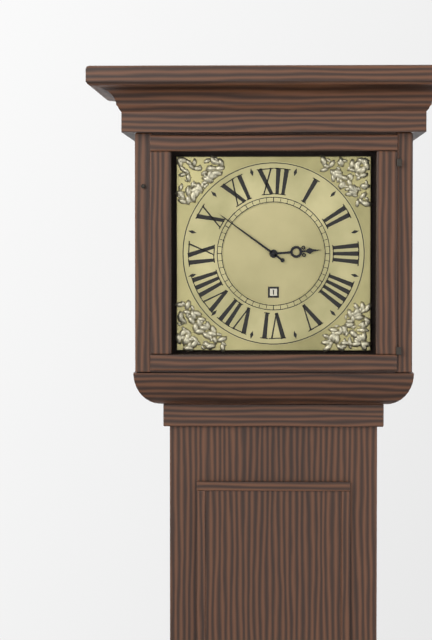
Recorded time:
2,51
